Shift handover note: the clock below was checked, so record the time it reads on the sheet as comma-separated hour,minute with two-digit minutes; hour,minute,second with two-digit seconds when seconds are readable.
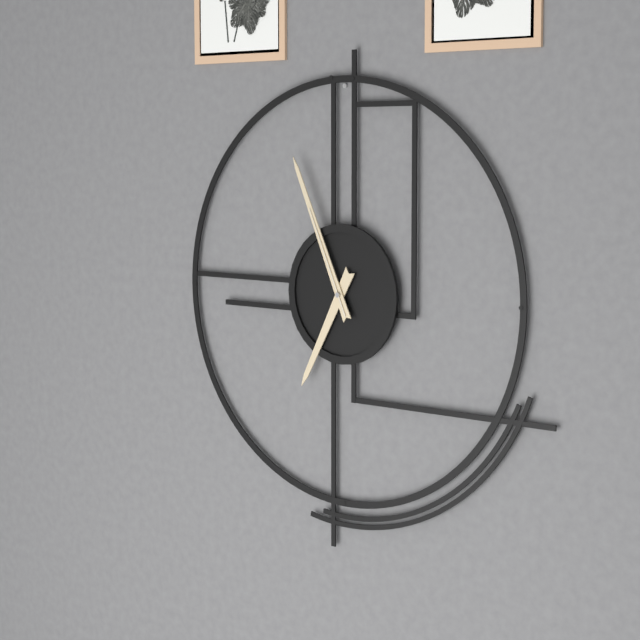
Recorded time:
6,56,56
